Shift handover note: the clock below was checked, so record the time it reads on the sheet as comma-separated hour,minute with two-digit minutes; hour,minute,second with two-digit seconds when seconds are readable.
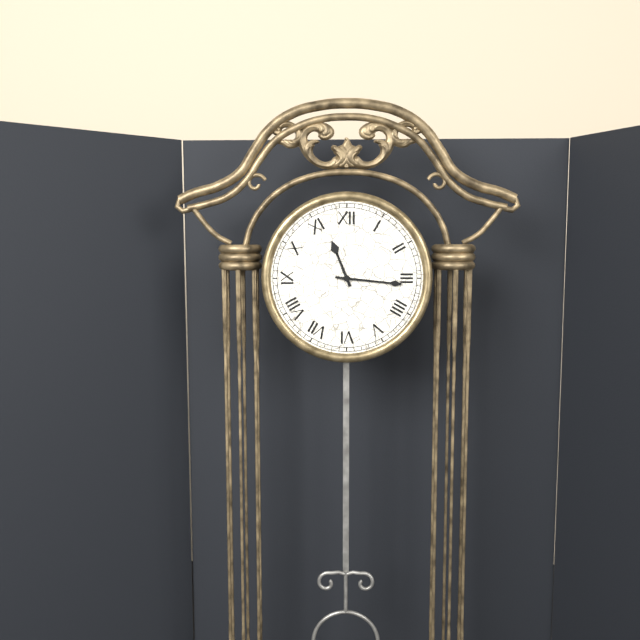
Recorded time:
11,16
